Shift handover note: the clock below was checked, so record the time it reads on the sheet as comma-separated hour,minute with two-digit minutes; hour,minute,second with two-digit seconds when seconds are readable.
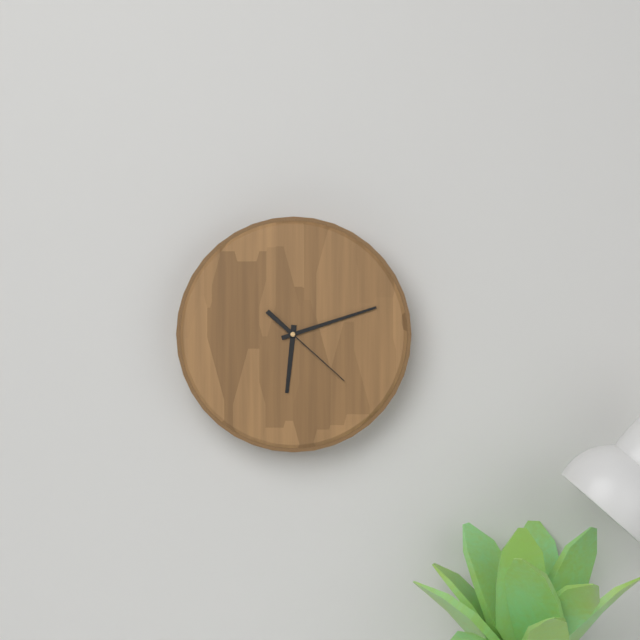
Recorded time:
6,12,22
